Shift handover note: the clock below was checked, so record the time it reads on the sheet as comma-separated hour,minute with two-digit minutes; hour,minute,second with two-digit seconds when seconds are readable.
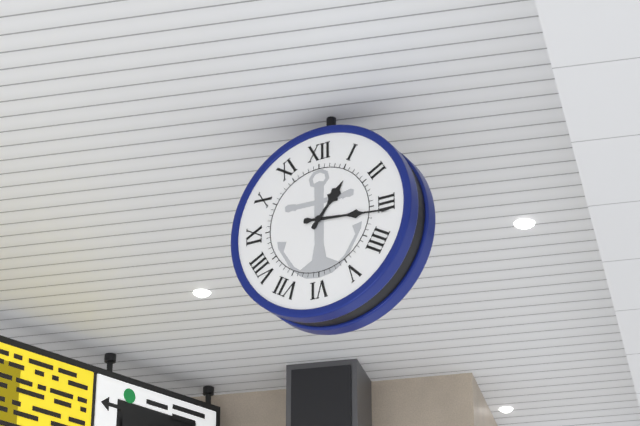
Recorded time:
1,16
